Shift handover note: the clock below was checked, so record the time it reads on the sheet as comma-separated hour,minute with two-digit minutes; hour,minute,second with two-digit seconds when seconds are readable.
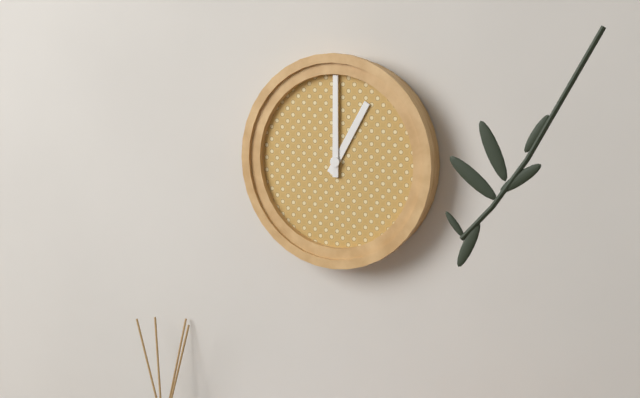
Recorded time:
1,00
